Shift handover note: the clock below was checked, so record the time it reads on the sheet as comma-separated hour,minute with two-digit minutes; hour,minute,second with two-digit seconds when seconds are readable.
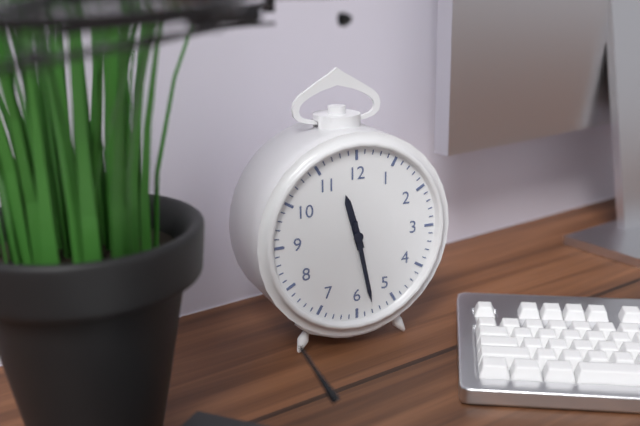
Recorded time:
11,28
